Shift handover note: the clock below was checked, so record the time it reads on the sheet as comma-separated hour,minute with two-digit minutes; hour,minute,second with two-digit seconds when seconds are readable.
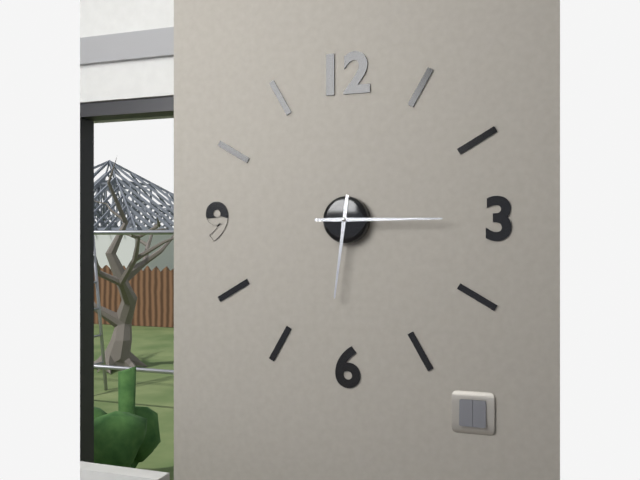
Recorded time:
6,15
